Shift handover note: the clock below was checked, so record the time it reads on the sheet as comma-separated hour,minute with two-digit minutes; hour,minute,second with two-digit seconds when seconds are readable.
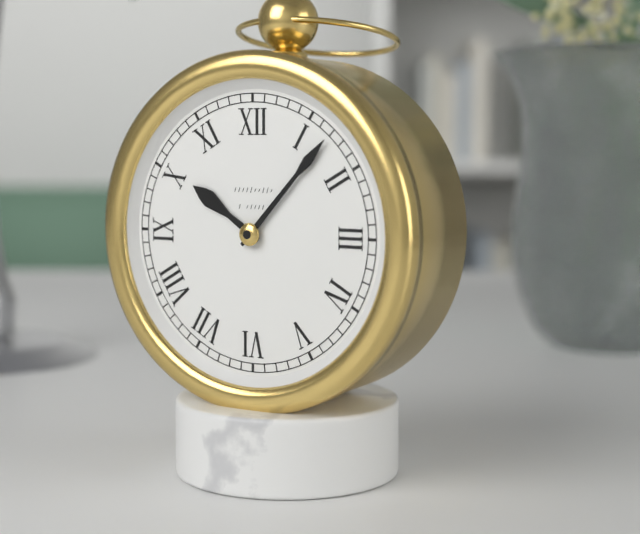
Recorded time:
10,07
